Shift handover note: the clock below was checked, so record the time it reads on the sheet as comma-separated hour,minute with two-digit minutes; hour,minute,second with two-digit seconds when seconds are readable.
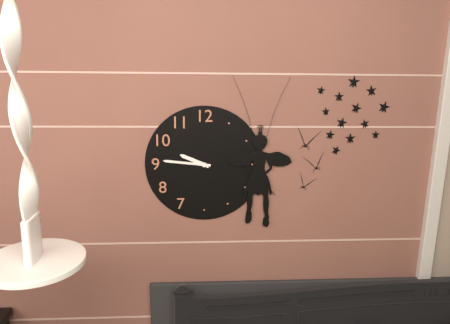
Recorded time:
9,46
